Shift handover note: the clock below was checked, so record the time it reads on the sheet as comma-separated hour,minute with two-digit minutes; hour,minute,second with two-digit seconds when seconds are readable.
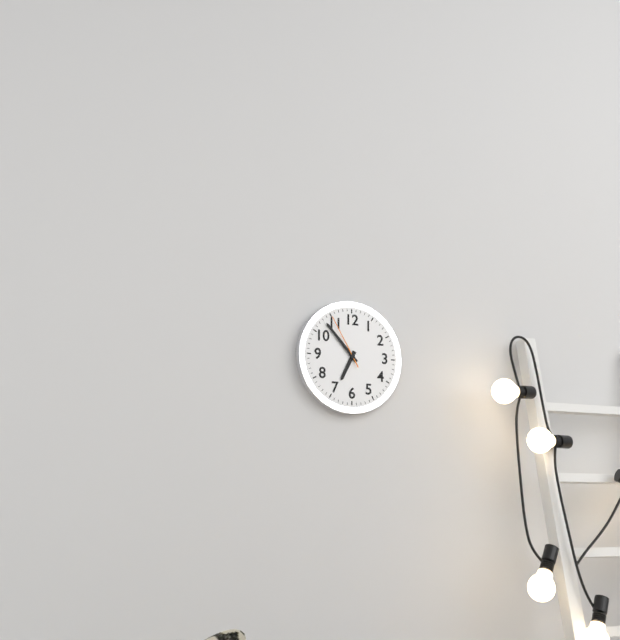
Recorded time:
6,53,55
